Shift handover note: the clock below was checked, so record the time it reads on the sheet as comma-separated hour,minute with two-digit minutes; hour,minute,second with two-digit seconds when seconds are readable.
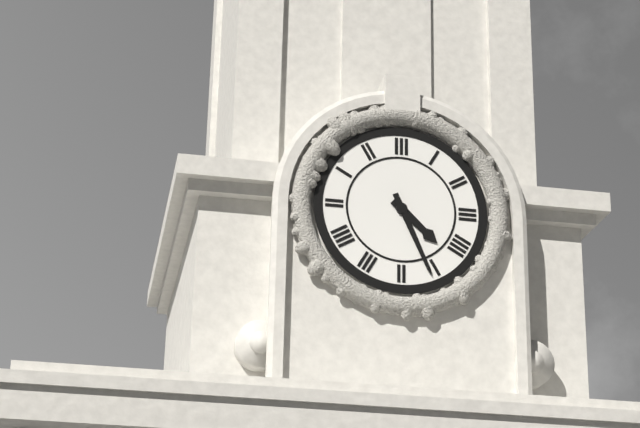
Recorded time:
4,26
